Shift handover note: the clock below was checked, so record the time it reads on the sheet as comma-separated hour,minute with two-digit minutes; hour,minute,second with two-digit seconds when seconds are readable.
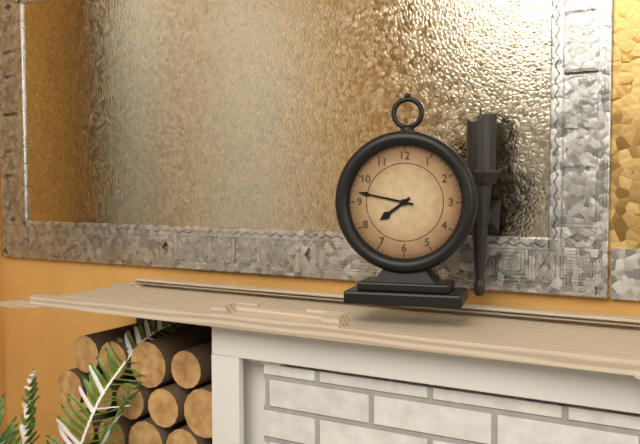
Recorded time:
7,47
